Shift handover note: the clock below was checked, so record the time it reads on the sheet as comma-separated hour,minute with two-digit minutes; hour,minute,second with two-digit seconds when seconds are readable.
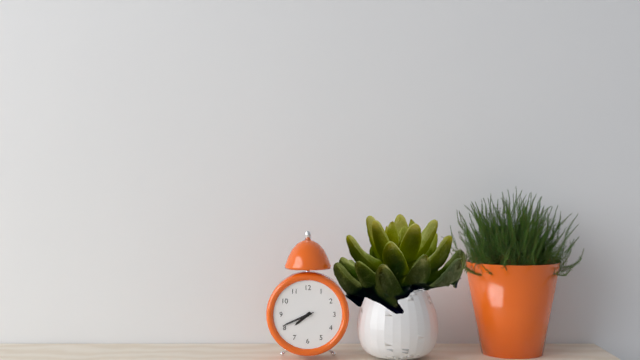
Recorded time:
7,41
